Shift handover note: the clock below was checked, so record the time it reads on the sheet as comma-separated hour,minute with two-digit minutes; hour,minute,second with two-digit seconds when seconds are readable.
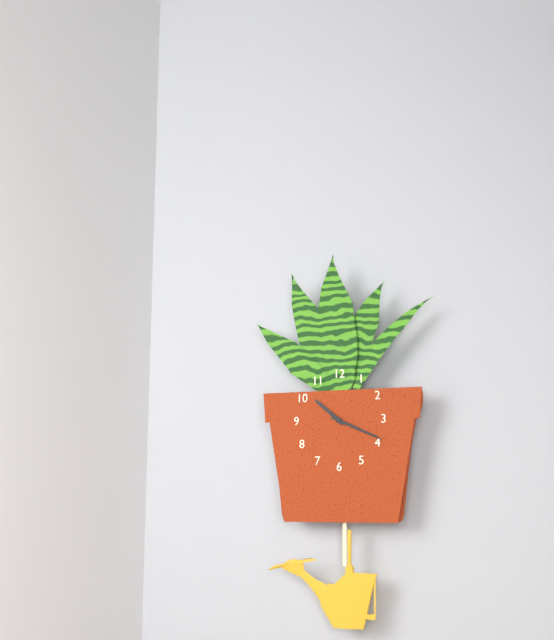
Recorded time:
10,19
